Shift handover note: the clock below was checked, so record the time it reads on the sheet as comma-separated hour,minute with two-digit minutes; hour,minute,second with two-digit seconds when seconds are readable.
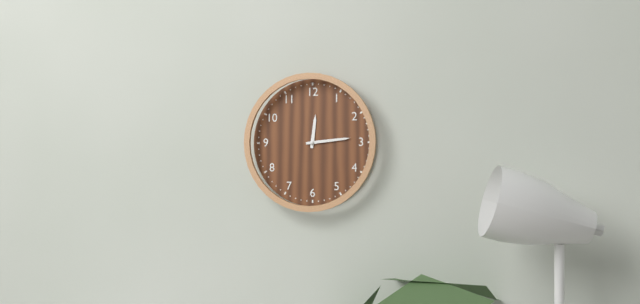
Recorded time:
12,14
